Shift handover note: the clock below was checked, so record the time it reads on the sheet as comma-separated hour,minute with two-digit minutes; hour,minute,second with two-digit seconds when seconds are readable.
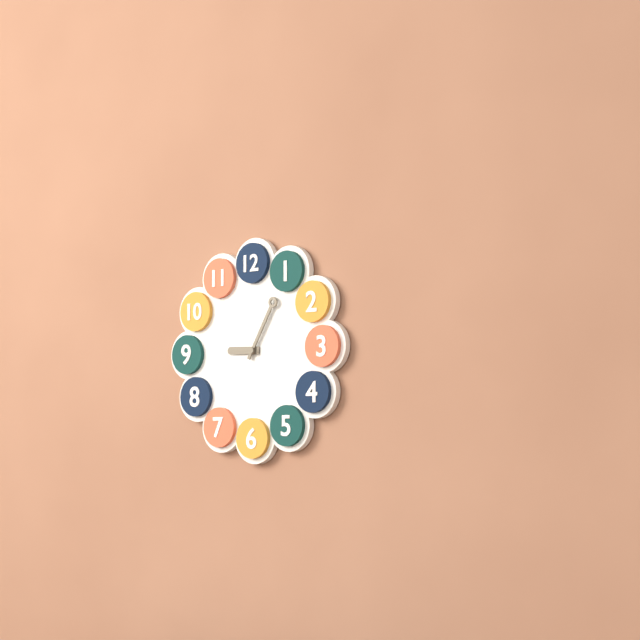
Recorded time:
9,05
